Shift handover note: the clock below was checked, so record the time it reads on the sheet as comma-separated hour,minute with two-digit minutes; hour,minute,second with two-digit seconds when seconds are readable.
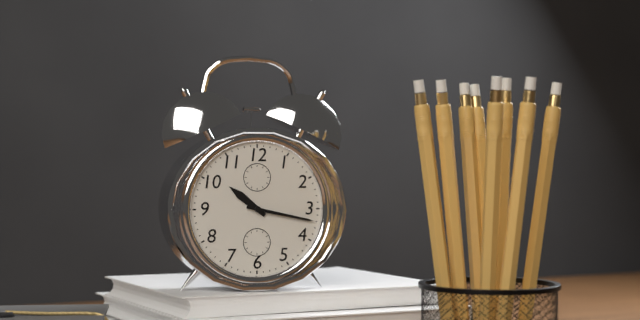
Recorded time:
10,17
